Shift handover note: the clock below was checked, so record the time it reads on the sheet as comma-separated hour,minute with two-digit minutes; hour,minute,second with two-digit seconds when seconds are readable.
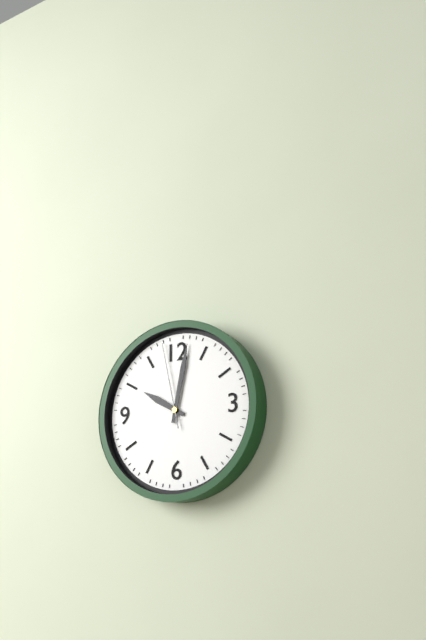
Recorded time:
10,02,58
